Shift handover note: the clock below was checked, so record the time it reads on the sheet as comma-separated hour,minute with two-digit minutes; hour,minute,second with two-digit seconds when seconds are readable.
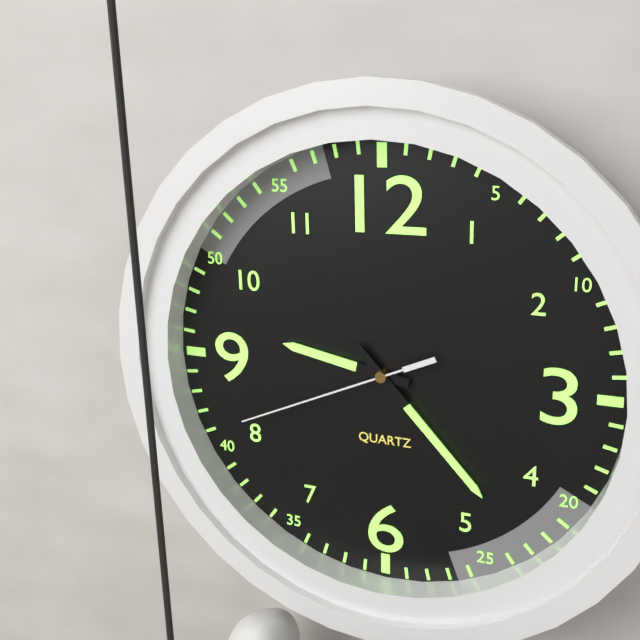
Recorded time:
9,23,41
